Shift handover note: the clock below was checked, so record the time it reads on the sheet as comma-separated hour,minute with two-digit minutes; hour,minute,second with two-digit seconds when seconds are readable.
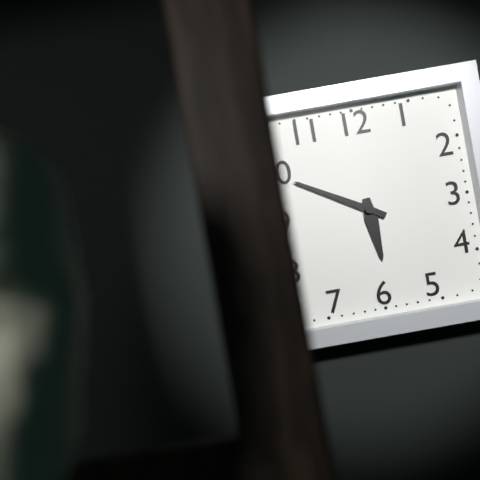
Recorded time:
5,50
